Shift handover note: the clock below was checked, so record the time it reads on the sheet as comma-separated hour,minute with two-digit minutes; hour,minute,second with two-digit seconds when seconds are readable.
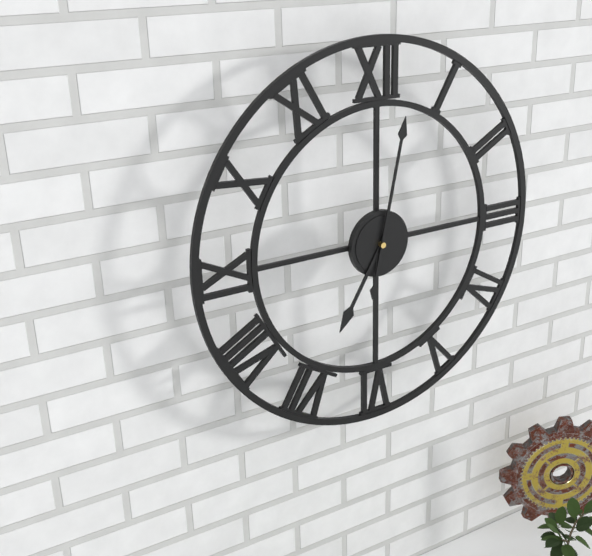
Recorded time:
7,02
